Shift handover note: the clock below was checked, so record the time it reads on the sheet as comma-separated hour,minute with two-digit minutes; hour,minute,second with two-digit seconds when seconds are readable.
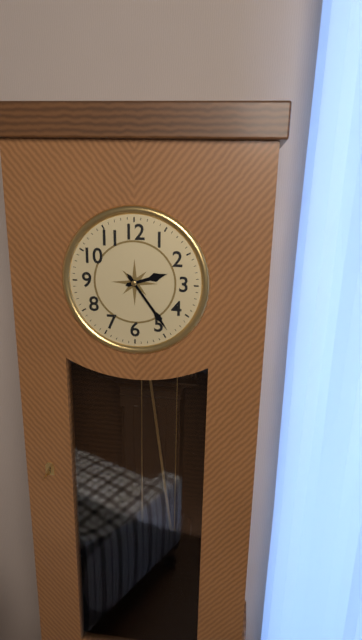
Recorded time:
2,24
